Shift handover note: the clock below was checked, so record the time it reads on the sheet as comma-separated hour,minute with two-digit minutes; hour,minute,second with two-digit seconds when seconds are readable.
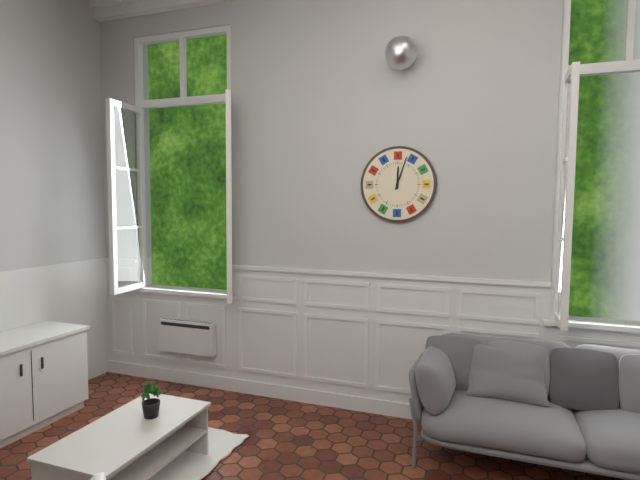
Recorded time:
12,03
